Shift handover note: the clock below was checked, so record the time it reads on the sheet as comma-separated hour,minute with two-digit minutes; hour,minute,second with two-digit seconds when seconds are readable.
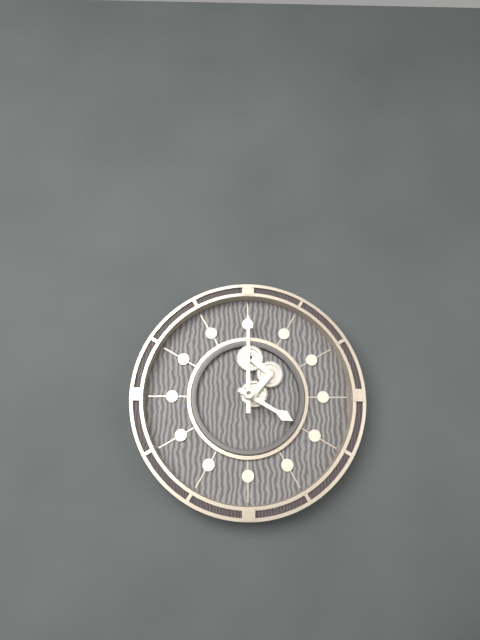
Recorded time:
4,00
